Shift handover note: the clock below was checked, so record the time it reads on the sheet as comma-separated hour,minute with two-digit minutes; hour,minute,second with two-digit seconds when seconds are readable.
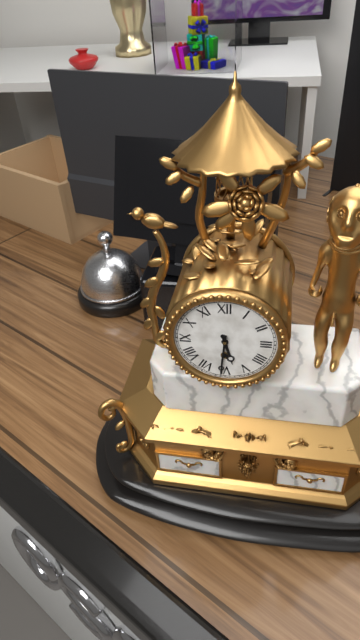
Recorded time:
5,31
